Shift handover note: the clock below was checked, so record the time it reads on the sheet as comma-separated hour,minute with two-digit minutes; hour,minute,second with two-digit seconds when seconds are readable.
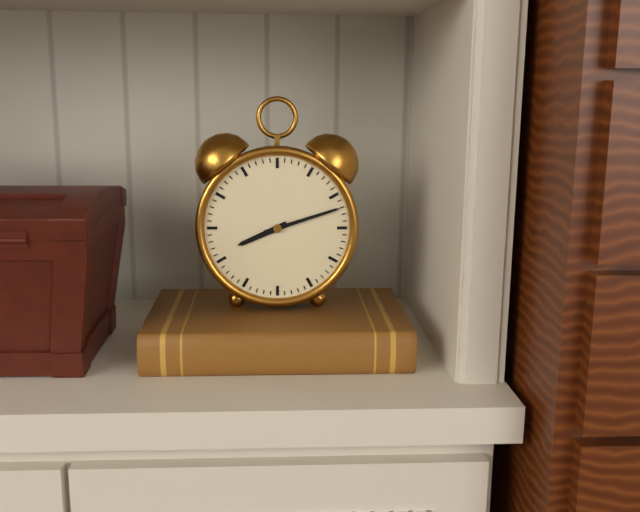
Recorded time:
8,12
